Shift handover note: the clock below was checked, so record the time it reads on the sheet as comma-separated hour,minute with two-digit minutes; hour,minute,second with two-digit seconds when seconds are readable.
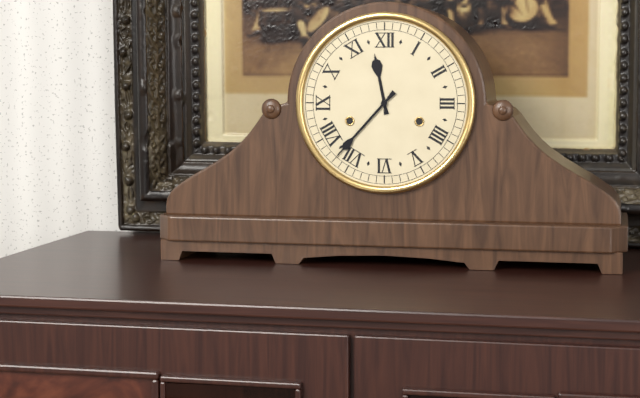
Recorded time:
11,37
